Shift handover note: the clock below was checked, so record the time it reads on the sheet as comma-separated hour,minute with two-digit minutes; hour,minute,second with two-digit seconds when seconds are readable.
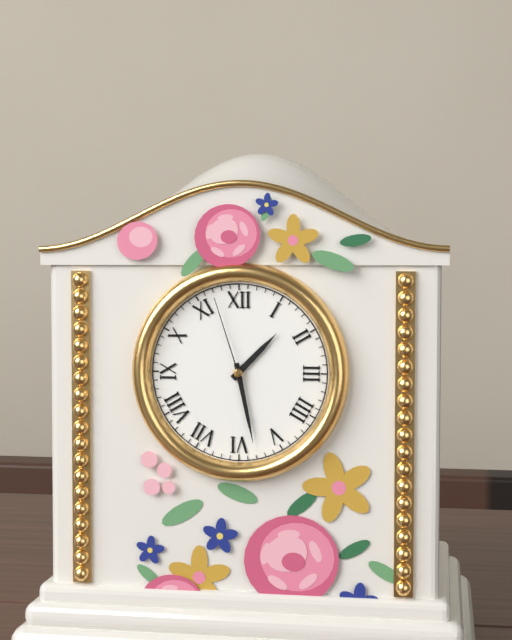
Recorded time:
1,28,57
